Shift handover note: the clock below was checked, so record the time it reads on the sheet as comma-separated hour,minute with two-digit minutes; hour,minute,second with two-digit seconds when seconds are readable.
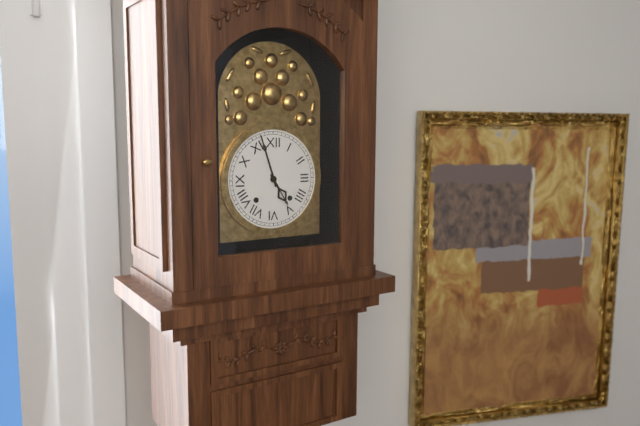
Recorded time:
4,57
